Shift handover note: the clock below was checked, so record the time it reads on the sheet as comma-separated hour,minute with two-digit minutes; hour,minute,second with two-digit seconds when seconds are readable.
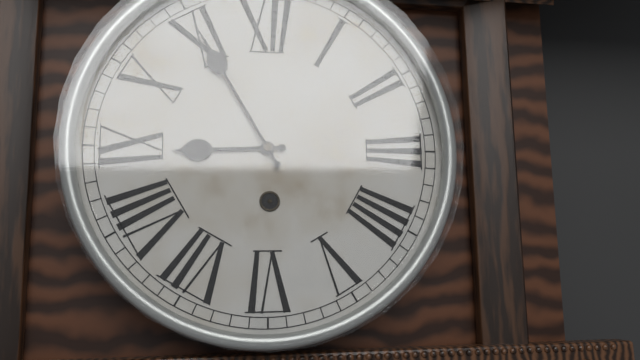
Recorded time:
8,55
